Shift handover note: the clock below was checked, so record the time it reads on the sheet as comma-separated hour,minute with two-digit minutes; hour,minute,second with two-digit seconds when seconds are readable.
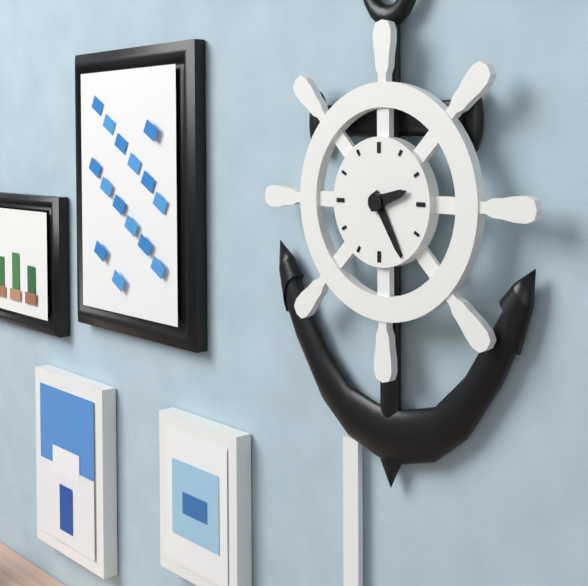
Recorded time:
2,25
